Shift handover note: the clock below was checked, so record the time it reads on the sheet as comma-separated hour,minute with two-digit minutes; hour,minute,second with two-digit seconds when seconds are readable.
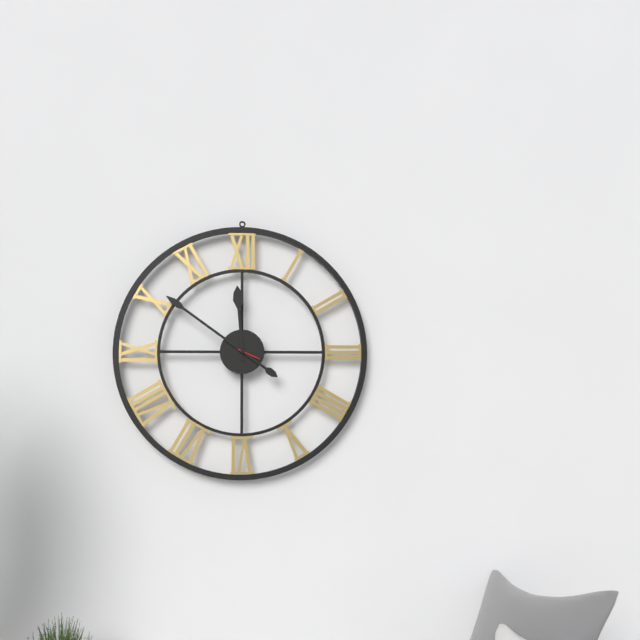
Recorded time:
11,51
